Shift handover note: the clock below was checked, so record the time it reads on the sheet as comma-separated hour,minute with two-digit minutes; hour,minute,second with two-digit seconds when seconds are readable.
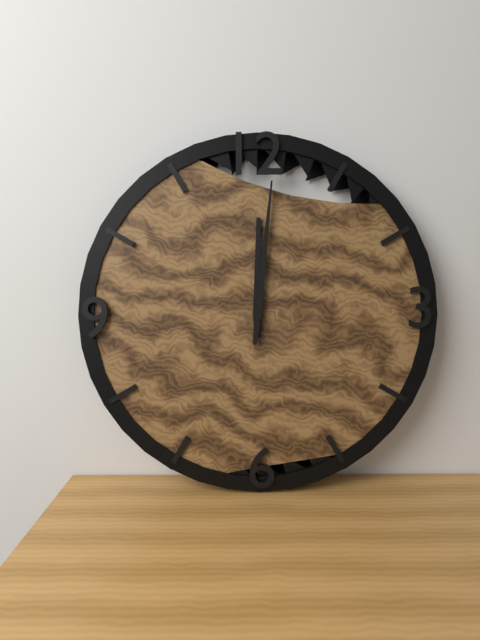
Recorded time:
12,01
